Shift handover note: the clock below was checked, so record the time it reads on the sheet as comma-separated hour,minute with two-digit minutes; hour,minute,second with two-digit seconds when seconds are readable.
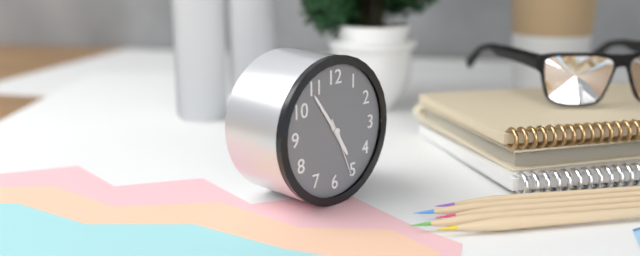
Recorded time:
4,54,26
